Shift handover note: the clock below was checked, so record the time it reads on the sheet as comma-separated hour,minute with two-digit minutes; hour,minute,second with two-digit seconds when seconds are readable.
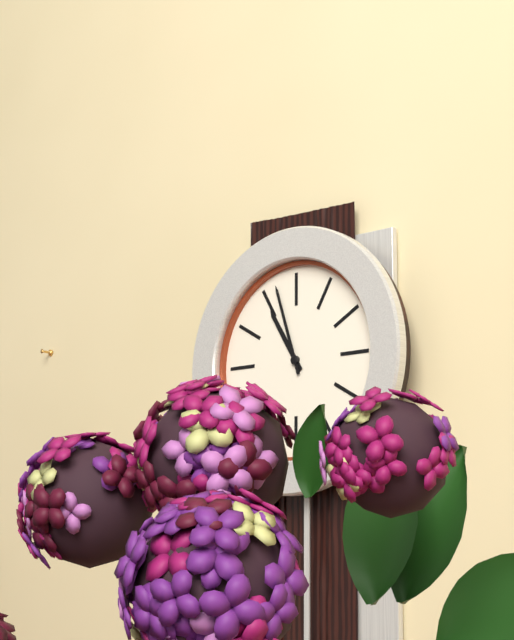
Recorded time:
10,57
